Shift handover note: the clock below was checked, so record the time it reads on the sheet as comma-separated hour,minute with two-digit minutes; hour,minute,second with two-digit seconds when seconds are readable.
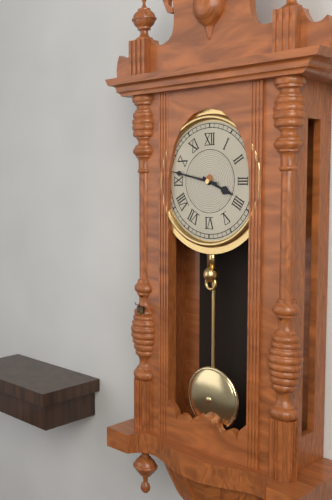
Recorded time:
3,47
